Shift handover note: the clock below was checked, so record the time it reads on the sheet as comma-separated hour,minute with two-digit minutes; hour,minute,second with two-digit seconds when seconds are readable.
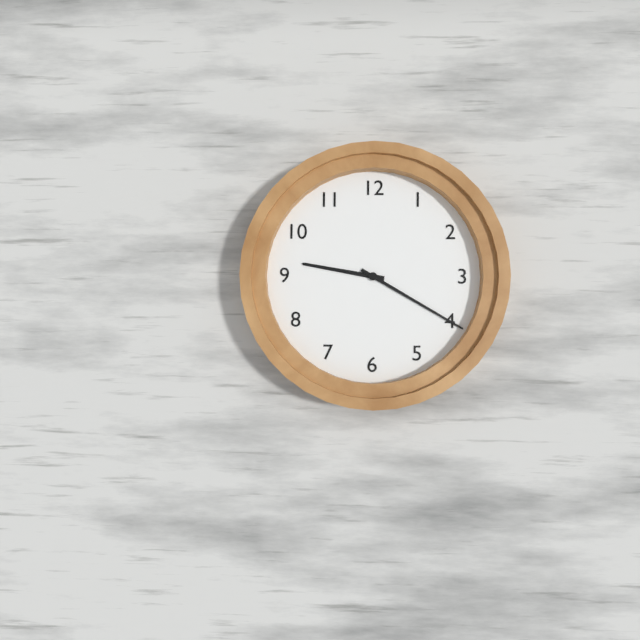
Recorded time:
9,20
